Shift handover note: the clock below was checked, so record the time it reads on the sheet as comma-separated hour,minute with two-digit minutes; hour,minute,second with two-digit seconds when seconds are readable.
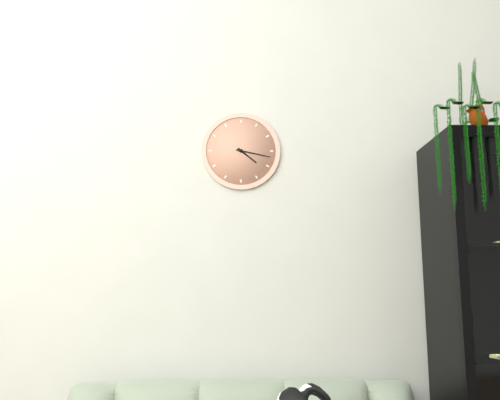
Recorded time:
4,17
